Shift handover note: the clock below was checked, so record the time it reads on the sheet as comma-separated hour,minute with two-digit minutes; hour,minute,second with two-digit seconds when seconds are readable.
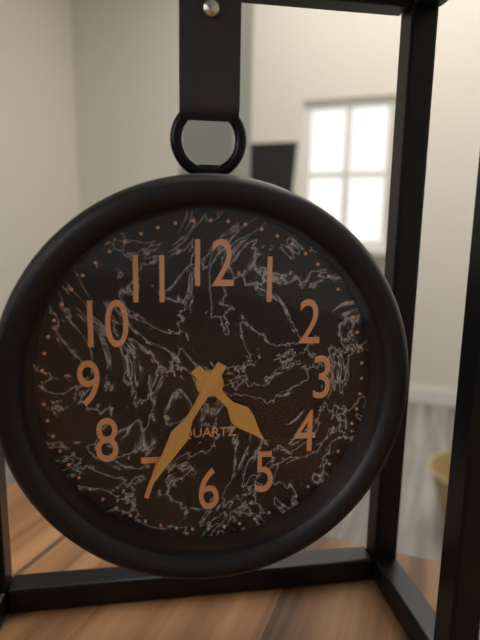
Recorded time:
4,35
